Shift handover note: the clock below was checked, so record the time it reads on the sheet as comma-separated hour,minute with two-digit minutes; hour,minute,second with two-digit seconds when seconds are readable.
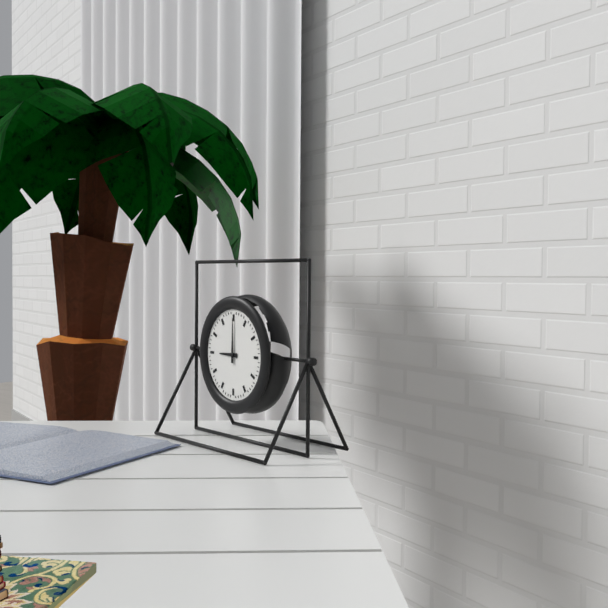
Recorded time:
9,00
